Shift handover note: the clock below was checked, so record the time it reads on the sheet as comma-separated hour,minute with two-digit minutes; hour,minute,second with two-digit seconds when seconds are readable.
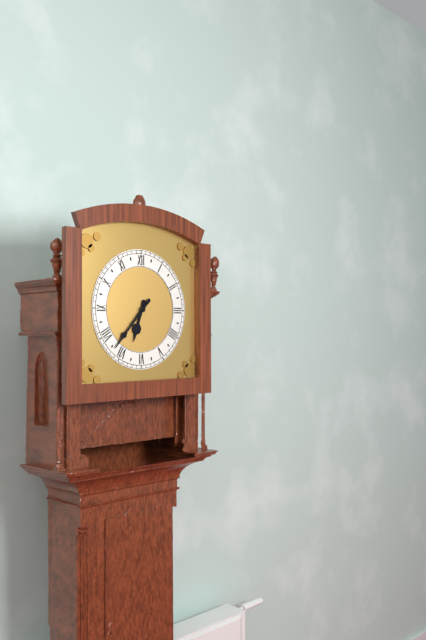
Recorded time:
6,37
